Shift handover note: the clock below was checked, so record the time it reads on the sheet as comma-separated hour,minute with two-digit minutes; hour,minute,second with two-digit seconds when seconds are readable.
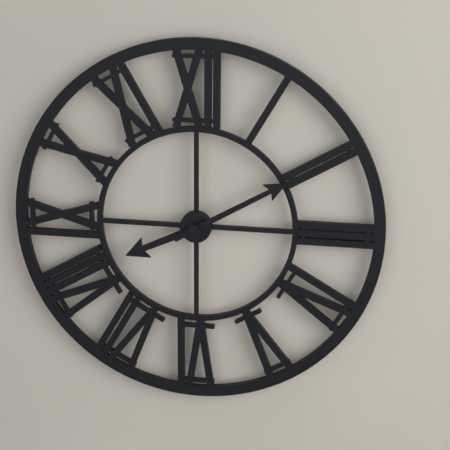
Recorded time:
8,10
